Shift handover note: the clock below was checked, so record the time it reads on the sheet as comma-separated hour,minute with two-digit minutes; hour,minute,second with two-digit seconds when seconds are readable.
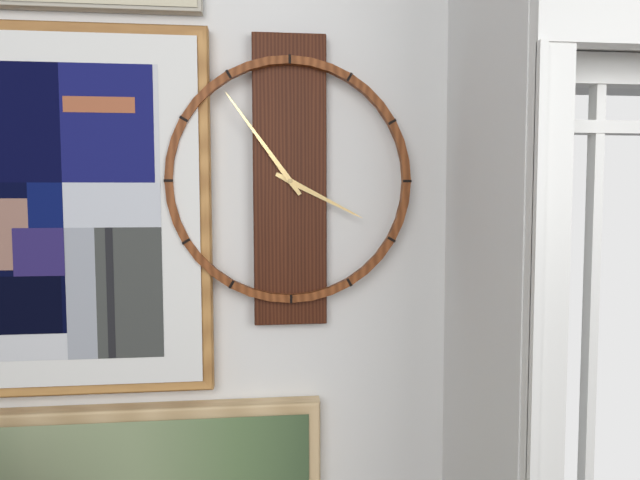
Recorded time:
3,54
